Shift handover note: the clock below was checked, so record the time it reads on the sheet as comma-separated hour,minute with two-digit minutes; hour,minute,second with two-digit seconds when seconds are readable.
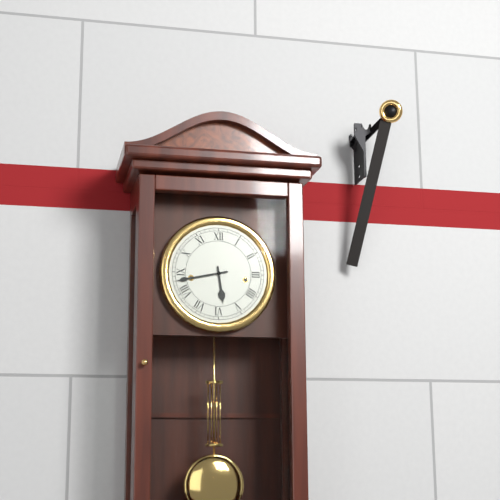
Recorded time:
5,43
